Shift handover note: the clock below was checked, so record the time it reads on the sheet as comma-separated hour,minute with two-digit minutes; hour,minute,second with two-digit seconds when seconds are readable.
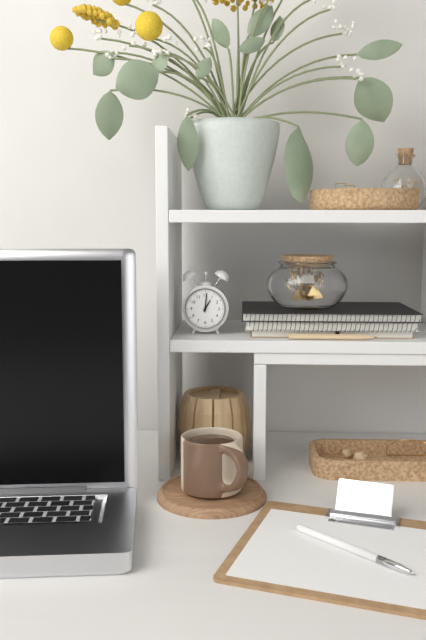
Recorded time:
1,01
